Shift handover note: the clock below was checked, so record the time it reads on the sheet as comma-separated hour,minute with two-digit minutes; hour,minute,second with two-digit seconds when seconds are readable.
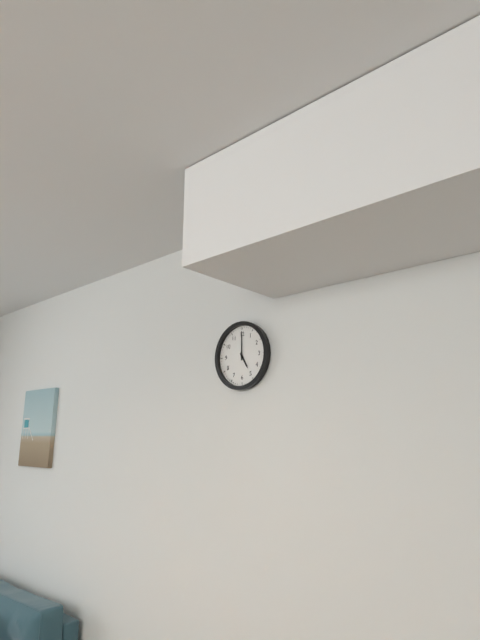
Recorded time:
5,00
